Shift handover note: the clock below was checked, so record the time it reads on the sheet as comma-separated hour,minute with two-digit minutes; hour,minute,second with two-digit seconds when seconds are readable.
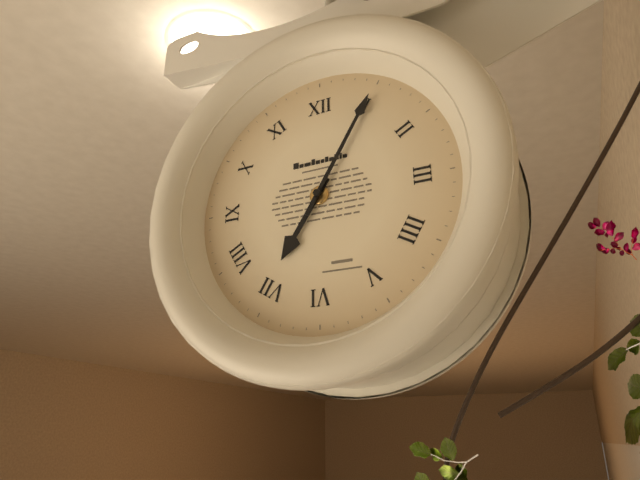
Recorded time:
7,05
